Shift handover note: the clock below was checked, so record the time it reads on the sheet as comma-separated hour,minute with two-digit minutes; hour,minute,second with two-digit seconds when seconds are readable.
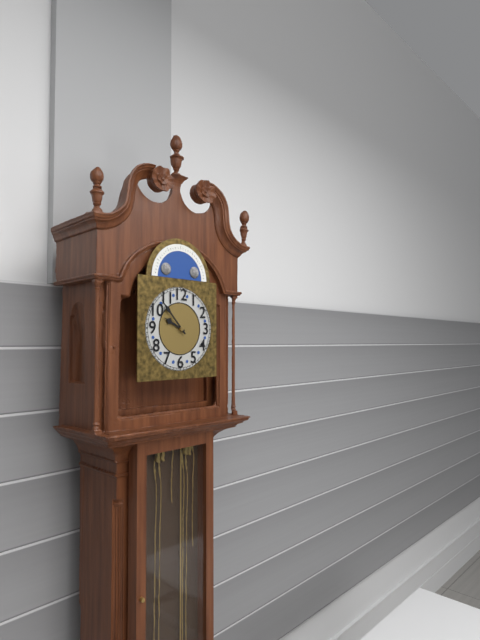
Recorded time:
9,53
